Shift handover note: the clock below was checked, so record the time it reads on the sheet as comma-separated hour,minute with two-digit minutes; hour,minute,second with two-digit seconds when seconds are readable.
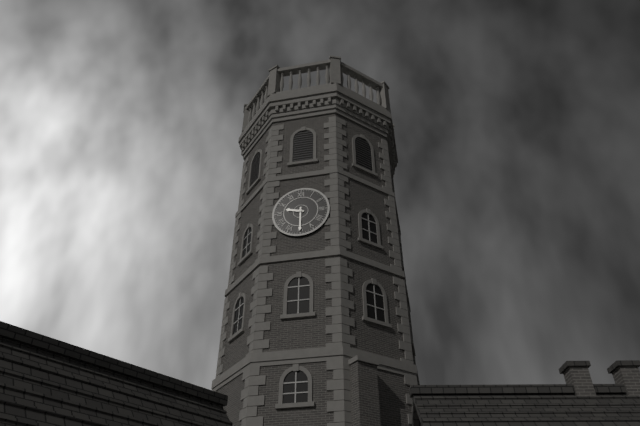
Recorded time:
9,30
